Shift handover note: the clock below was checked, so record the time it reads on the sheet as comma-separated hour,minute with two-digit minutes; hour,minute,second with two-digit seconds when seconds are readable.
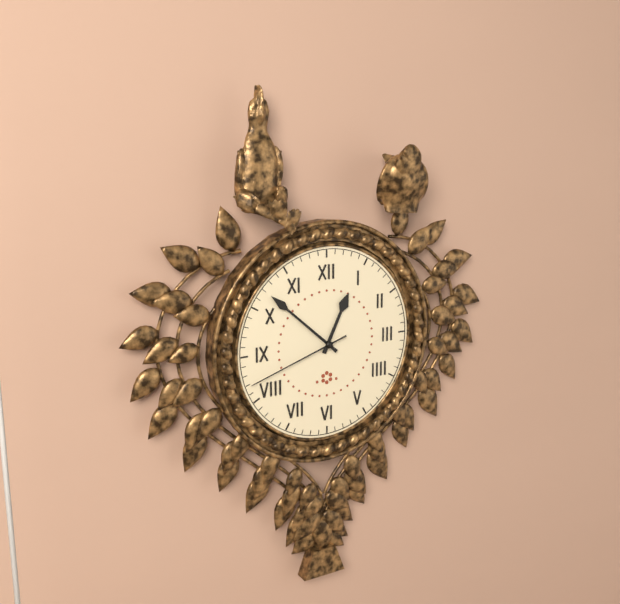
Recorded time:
12,52,42
